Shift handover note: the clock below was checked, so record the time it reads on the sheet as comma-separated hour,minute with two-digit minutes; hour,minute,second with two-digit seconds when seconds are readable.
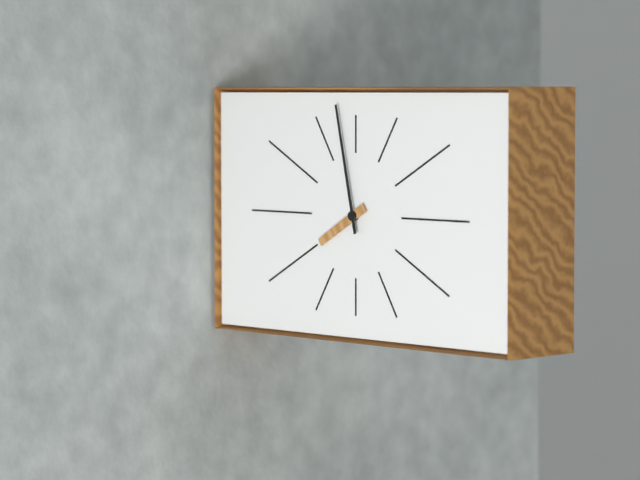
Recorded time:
7,58
